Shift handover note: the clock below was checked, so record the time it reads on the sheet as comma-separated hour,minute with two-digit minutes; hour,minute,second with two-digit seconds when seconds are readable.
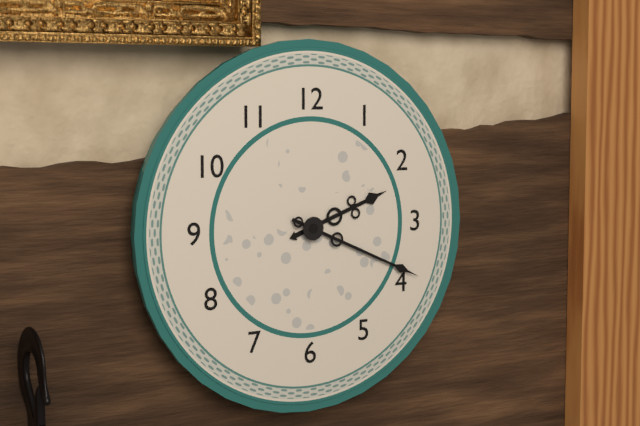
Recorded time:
2,19
